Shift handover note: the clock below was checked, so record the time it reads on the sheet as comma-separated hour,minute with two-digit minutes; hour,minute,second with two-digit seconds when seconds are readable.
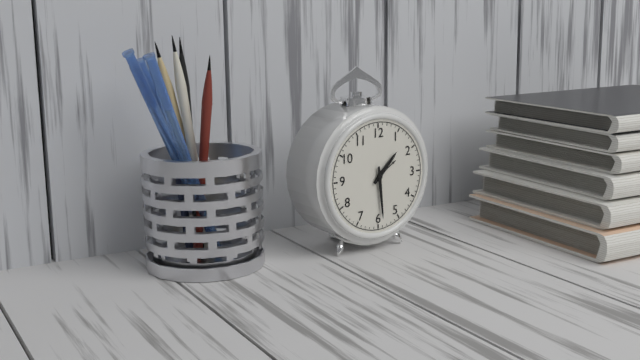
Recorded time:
1,29
